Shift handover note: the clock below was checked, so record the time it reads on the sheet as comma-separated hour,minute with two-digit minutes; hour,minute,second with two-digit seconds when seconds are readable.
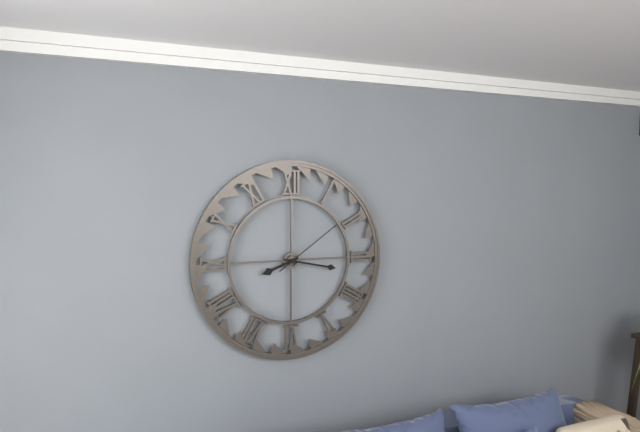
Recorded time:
8,17,09
